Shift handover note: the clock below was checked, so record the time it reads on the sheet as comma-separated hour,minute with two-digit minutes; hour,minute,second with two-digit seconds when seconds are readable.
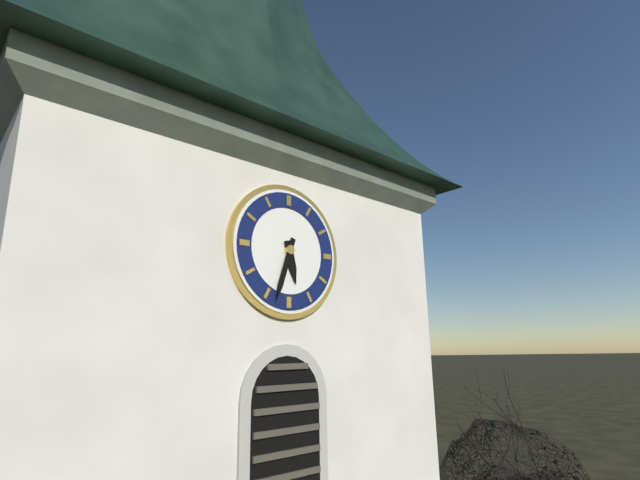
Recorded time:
5,33
